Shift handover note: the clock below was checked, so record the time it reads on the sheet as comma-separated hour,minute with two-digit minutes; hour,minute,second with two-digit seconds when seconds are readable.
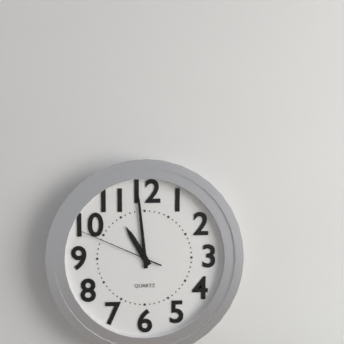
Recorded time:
10,59,49
